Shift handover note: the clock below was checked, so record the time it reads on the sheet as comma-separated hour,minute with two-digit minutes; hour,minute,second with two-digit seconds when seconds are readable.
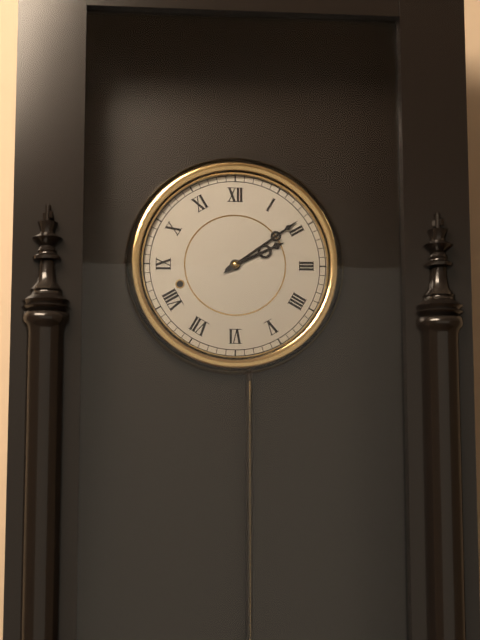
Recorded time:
2,09
